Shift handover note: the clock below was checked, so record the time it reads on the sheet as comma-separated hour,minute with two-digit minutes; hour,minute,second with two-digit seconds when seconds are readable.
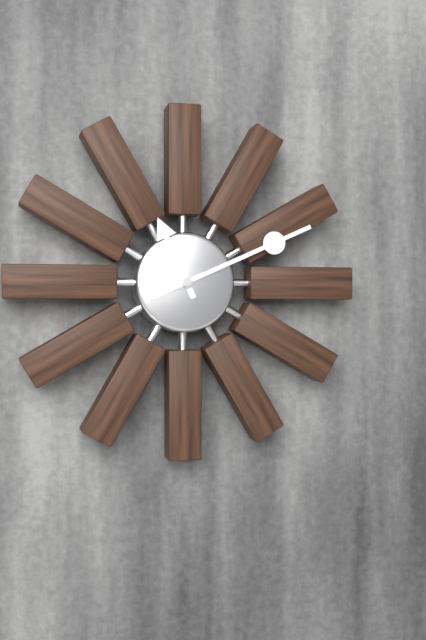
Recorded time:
11,11
